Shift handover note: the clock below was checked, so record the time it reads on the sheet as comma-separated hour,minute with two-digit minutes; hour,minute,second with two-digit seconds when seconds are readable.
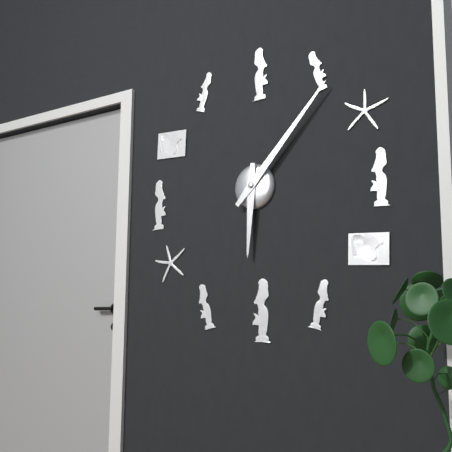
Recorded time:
6,07
